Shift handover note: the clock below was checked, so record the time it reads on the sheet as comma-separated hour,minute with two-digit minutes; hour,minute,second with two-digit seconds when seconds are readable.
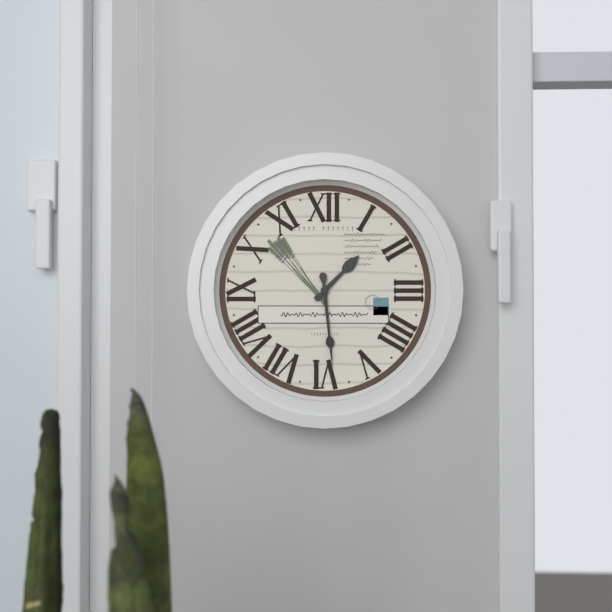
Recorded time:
1,29
